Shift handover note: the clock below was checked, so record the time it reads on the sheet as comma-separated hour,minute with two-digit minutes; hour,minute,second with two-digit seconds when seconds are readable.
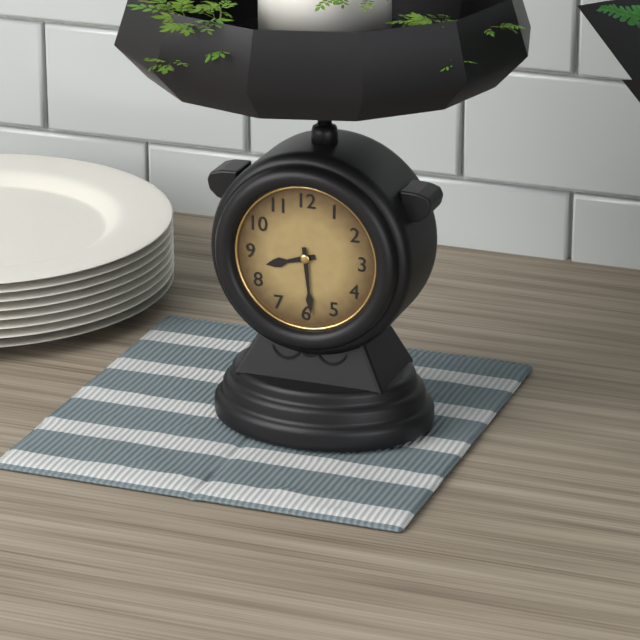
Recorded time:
8,29
